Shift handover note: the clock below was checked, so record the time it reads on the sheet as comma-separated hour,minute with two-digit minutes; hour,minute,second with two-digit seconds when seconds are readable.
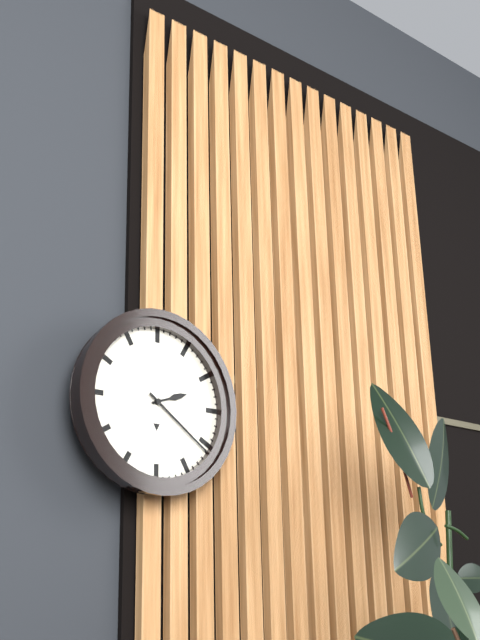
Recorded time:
2,21
